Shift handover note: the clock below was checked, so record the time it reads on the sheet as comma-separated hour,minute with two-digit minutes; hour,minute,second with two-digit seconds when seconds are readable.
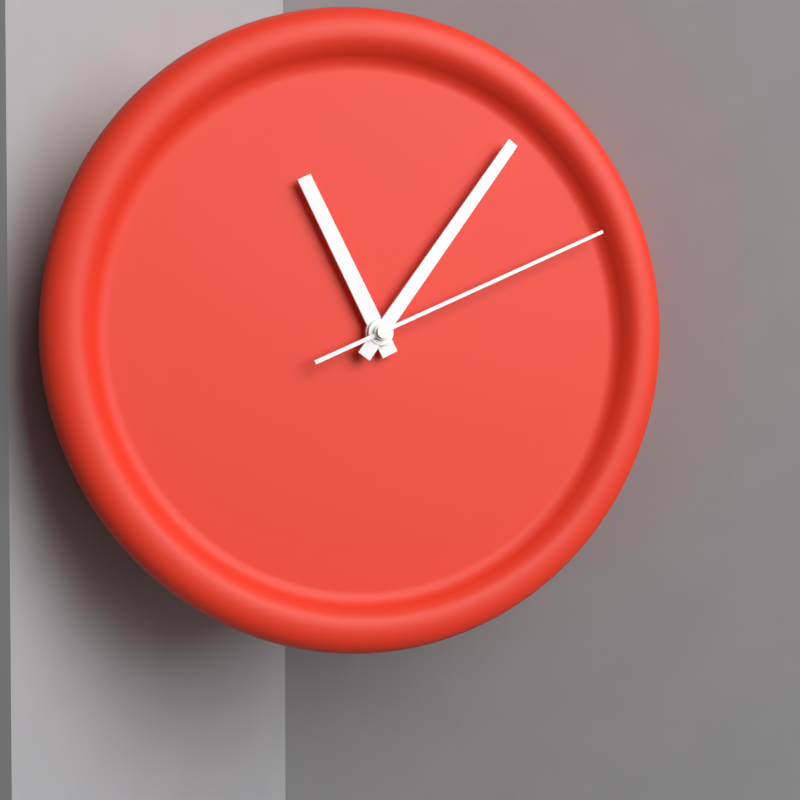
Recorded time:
11,06,11
